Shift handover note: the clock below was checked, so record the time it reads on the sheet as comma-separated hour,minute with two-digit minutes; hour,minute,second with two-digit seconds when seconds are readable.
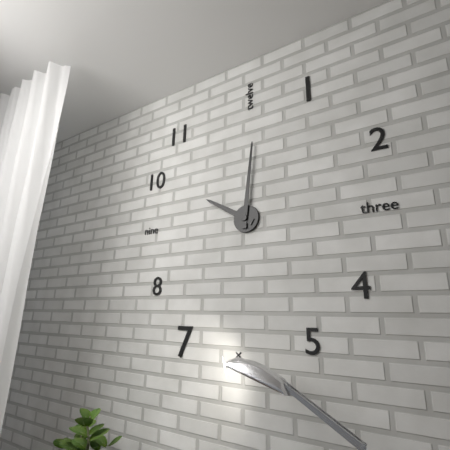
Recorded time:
10,01
